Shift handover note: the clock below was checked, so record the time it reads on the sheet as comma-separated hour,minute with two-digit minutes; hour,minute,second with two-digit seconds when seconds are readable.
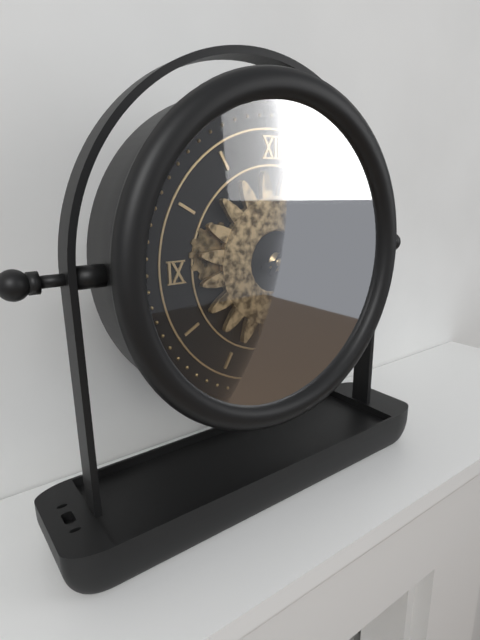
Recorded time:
1,14
